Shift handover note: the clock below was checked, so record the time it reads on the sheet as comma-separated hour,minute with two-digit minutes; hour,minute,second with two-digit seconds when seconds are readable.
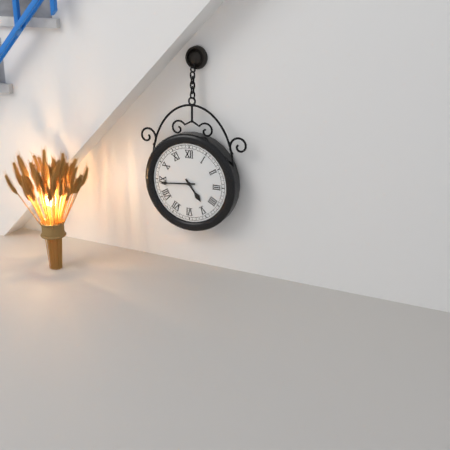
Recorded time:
4,44
